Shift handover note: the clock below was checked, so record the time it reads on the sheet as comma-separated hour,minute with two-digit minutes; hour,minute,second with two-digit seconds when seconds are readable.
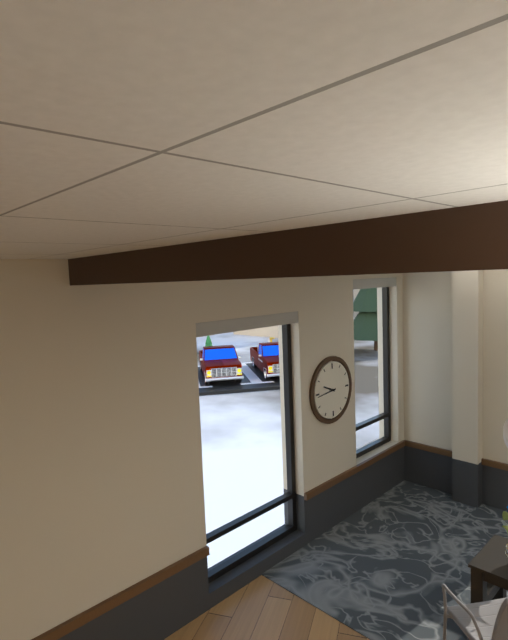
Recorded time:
9,44
